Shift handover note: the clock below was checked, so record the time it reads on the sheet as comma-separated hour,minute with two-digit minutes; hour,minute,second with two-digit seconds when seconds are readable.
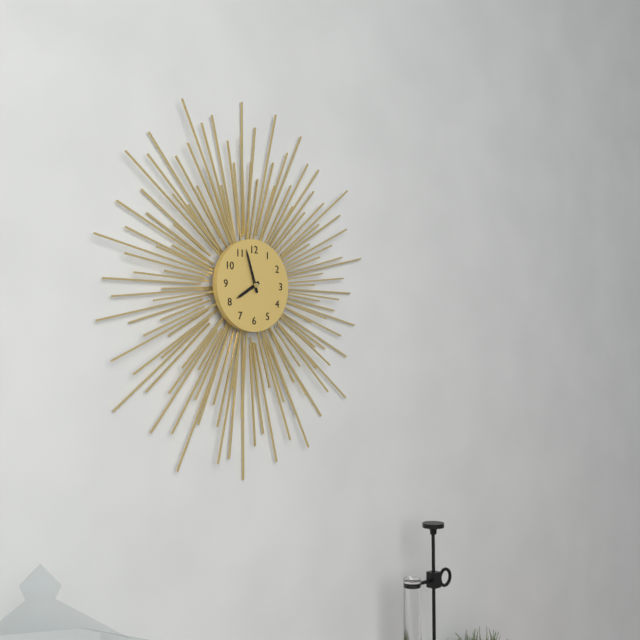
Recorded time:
7,57
